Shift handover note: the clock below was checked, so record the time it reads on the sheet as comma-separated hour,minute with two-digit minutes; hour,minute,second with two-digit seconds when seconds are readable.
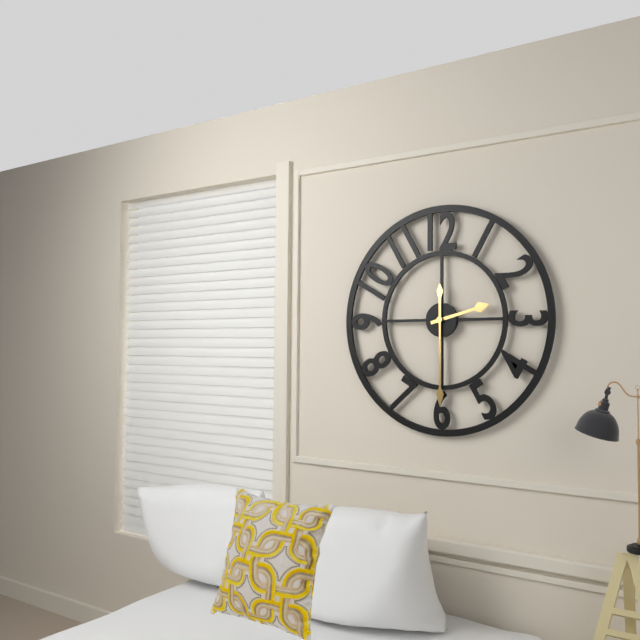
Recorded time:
2,30
